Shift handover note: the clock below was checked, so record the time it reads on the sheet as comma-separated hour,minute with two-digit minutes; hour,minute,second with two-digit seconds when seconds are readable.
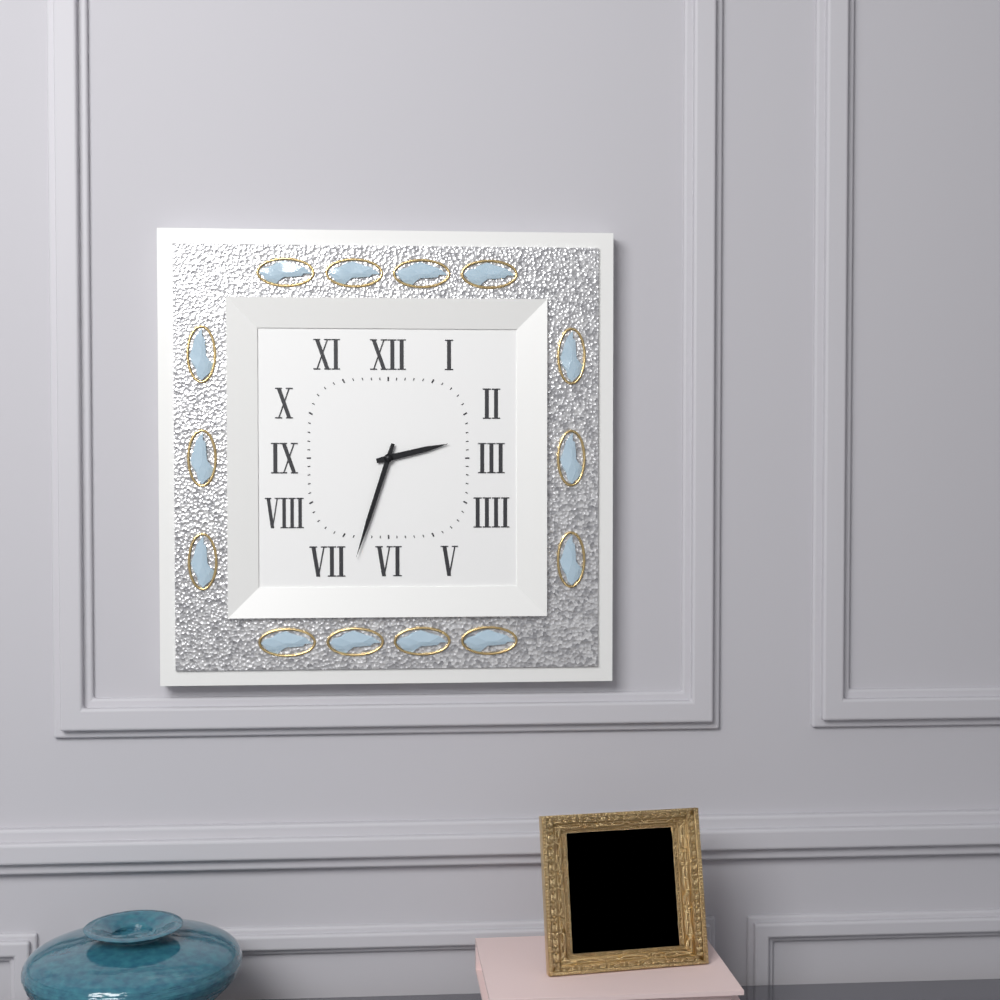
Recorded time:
2,33
